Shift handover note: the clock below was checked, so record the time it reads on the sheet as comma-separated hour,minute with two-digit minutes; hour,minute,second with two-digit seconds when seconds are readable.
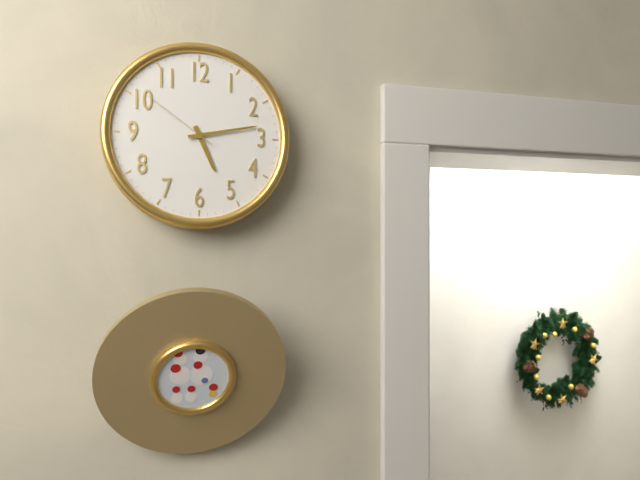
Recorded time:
5,13,51
